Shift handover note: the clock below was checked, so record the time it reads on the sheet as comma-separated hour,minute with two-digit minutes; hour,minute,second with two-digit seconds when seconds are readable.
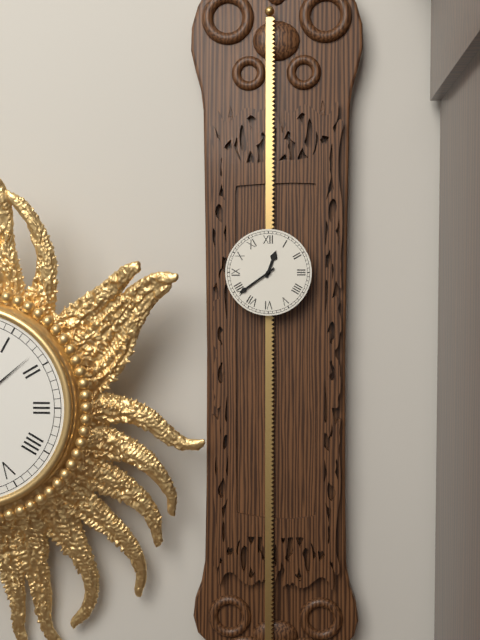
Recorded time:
12,39
